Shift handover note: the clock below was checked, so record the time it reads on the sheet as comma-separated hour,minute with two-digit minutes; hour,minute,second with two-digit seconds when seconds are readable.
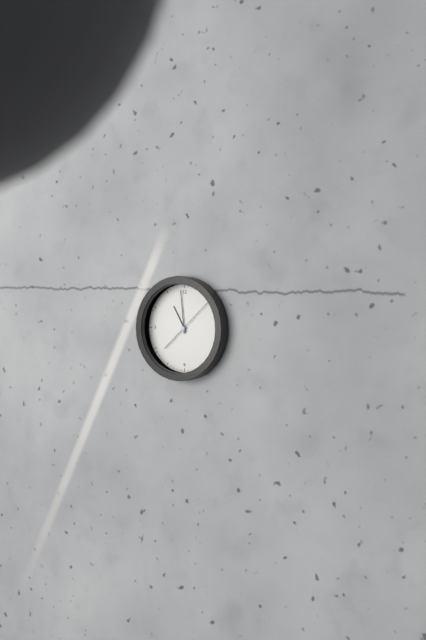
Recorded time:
10,59
